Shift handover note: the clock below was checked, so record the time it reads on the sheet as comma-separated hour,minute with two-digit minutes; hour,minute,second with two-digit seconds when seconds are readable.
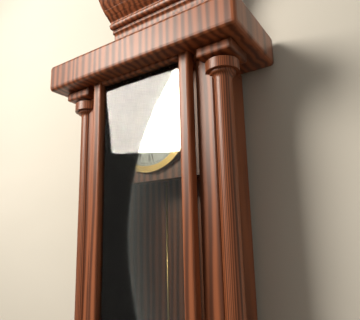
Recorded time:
10,43
